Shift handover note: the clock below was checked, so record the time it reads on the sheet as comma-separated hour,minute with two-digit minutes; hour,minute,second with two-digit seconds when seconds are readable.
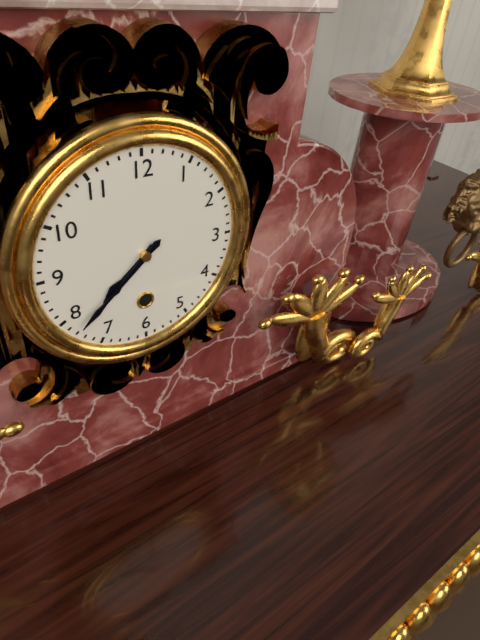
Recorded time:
7,38
